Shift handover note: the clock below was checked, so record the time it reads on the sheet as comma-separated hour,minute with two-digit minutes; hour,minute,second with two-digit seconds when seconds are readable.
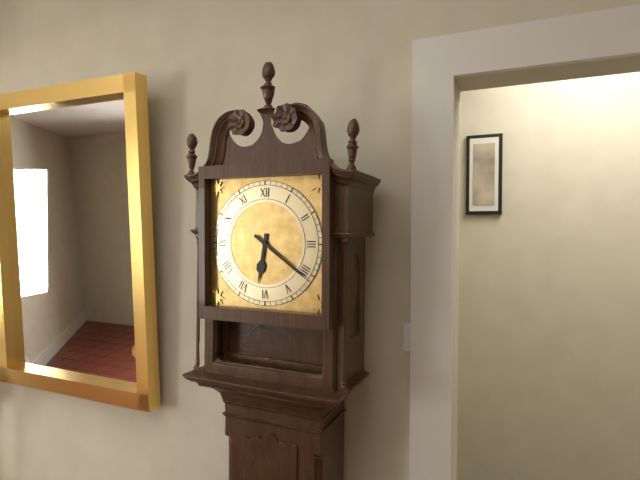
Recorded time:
6,21
